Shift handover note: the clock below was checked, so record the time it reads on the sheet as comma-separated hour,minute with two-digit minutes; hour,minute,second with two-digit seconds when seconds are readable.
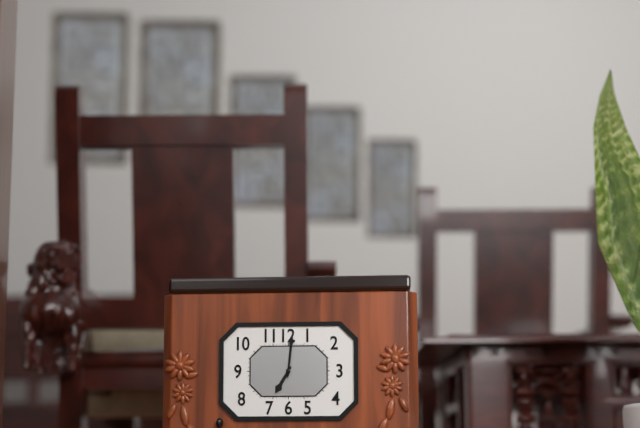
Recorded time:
7,01
